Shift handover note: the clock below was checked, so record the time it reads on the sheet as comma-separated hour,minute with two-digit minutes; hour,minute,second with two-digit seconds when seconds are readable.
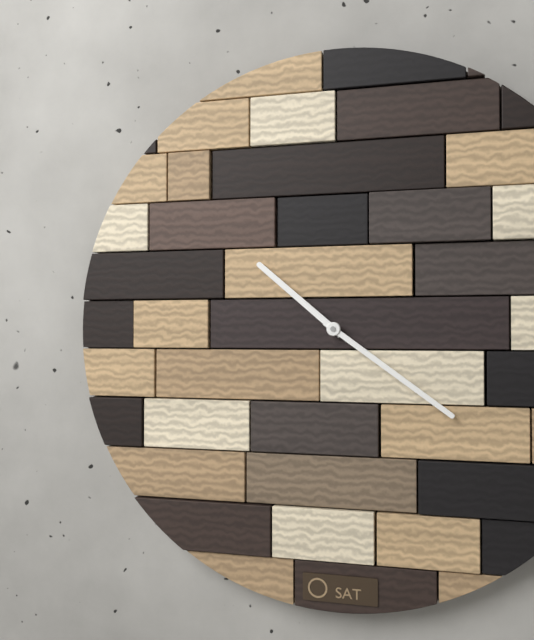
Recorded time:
10,21
